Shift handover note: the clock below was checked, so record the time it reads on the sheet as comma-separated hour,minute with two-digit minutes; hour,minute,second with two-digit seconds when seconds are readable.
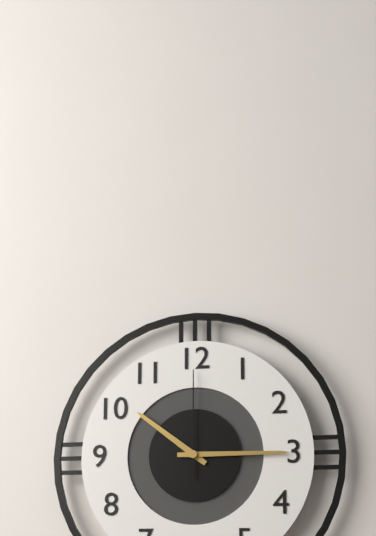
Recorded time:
10,15,00
